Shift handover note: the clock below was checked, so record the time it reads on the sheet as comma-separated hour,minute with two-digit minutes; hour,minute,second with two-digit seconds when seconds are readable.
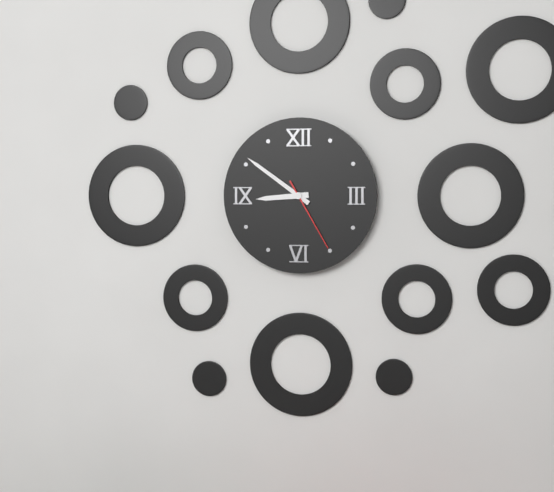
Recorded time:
8,51,25
